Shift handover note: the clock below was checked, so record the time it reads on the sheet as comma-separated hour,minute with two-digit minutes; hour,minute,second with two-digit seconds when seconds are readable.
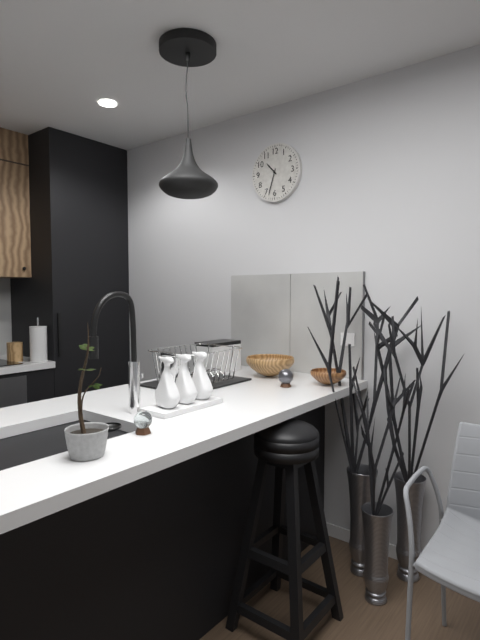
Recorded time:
10,33
